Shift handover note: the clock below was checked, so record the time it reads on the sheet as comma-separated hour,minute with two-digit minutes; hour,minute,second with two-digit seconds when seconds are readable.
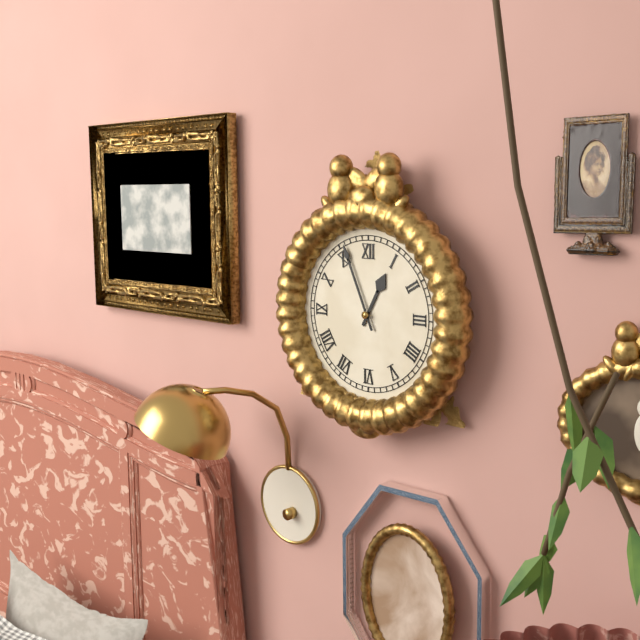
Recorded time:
12,56
